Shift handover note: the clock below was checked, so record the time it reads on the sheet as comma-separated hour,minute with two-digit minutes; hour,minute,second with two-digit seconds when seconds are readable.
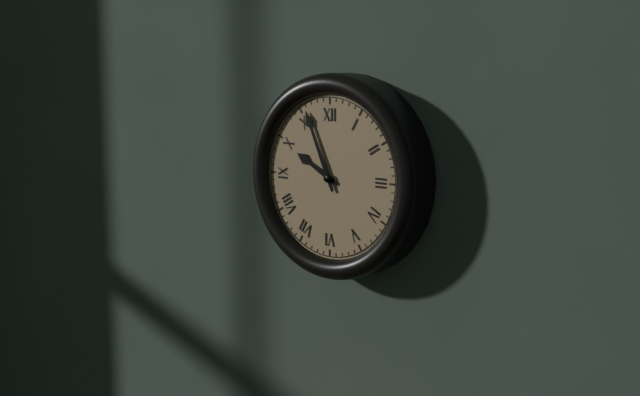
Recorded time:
9,56
